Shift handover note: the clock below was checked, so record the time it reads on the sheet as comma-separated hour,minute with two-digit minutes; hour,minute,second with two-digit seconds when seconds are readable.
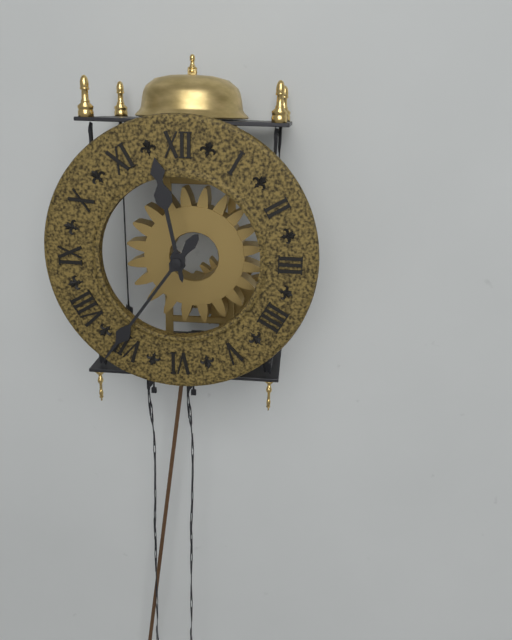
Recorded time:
11,36
